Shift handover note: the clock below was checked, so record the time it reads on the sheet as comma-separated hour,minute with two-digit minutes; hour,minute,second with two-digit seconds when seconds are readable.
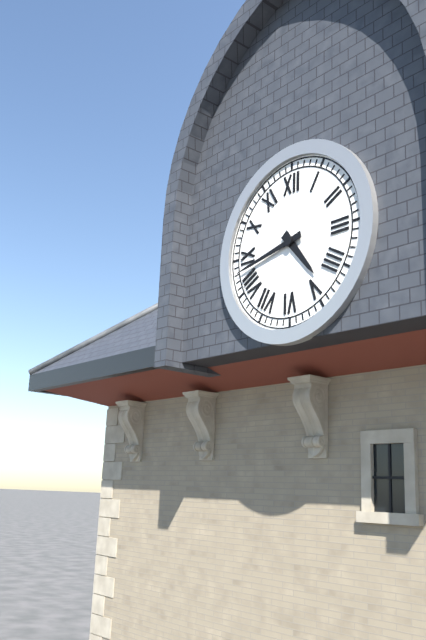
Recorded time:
4,43
